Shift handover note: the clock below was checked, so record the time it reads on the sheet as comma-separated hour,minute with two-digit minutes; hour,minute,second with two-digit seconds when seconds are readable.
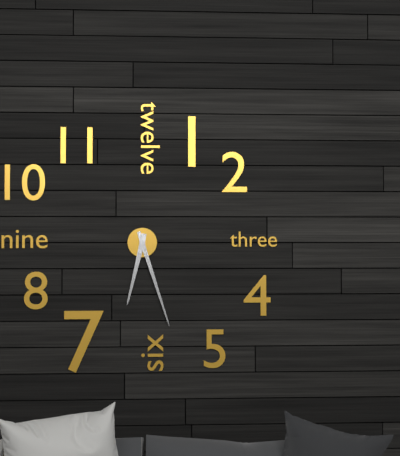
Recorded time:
6,27
